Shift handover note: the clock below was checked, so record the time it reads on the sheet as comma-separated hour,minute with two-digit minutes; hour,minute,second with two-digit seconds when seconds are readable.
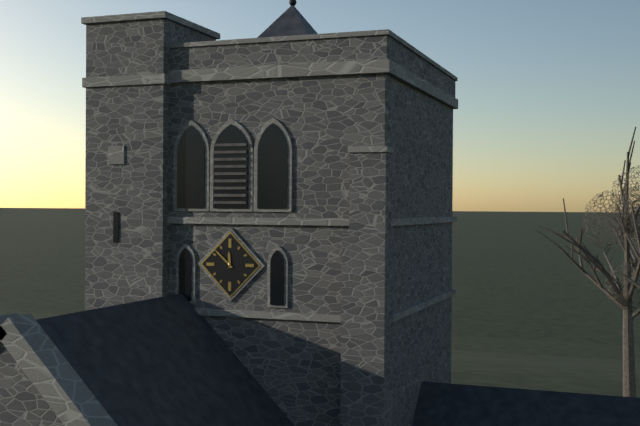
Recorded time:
11,52
